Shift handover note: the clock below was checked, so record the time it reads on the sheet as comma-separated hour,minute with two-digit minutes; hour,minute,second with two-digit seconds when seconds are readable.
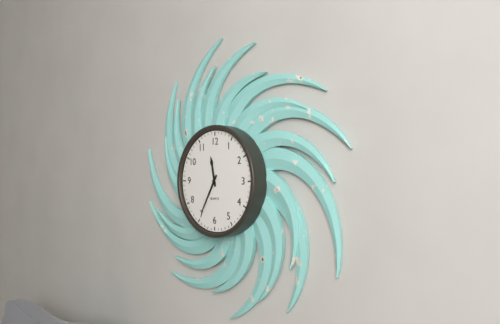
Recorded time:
11,35
